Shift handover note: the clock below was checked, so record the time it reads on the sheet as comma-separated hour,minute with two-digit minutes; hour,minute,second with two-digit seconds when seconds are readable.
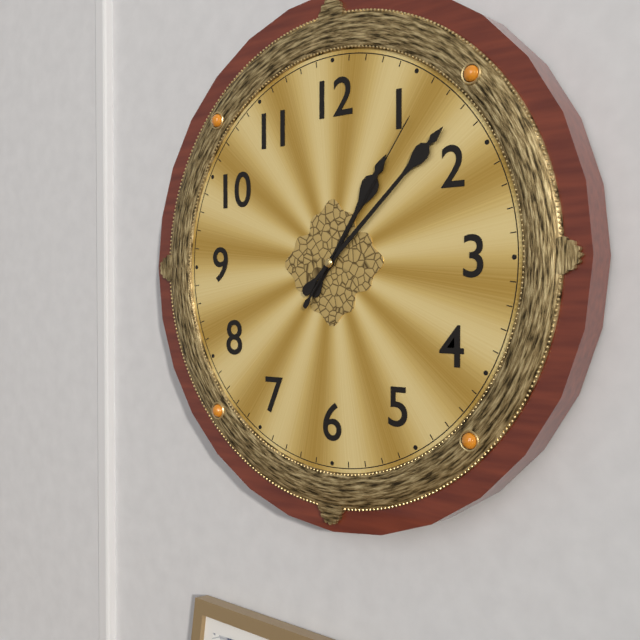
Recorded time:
1,08,06
